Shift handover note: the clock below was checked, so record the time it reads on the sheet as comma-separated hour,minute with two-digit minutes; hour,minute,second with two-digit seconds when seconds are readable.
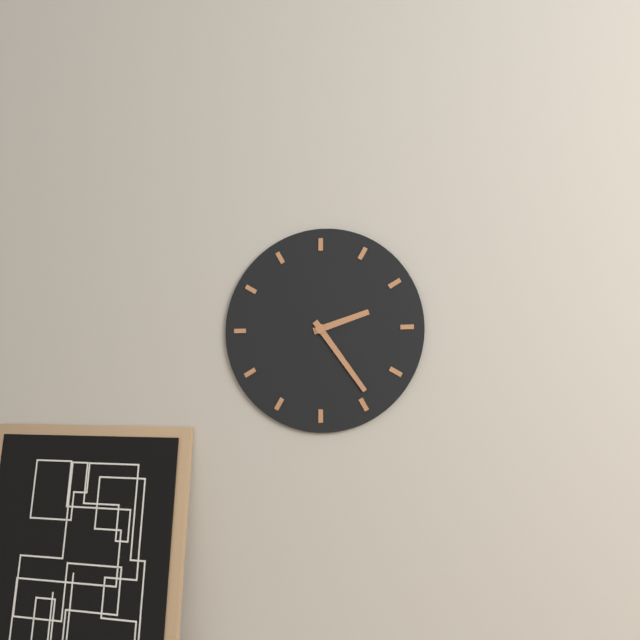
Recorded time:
2,24
